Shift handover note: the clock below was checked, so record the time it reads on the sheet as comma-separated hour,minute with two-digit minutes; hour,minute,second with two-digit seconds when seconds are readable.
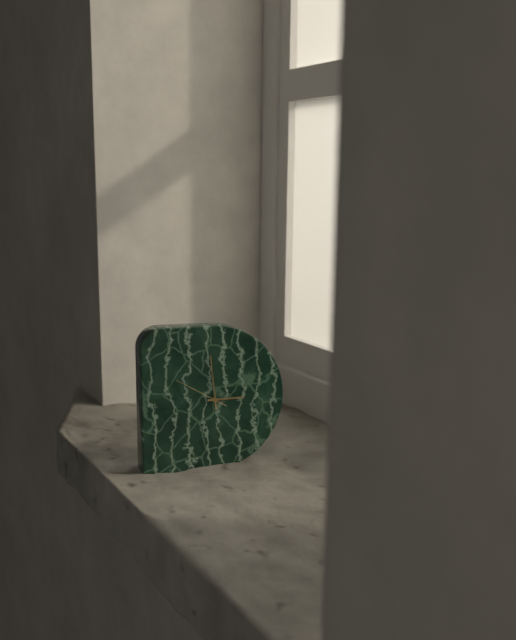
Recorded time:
2,59,50
